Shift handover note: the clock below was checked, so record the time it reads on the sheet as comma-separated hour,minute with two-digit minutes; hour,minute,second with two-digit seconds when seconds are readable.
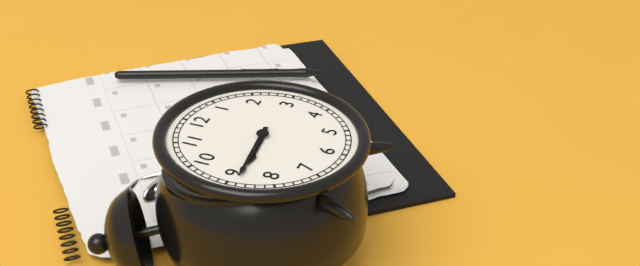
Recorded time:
8,44
